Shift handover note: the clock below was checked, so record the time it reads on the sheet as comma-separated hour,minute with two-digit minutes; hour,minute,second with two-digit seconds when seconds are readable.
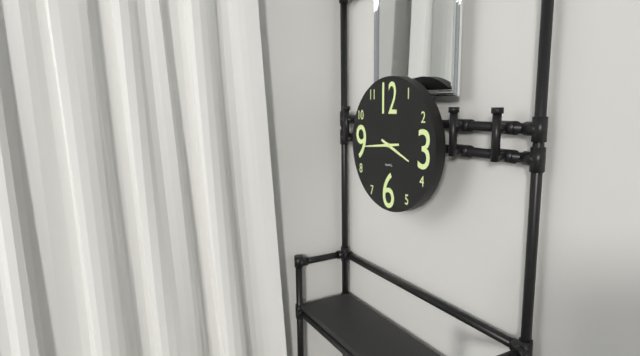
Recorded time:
3,44
